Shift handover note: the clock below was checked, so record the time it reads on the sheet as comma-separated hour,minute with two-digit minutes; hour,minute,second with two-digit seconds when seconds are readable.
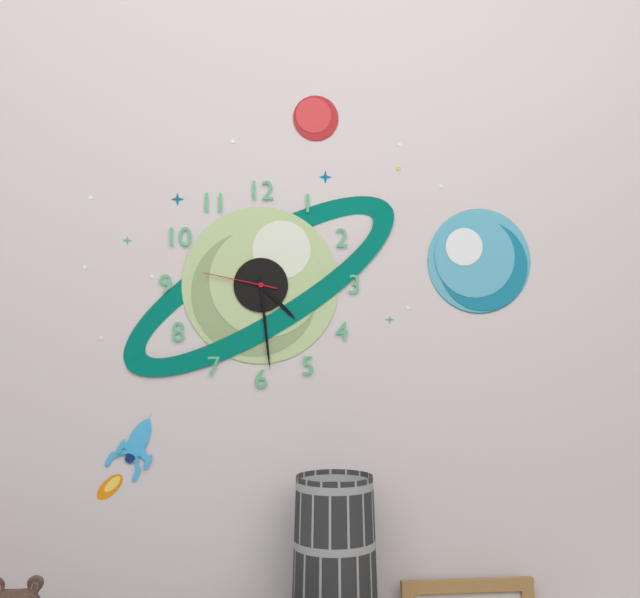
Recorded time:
4,29,47
